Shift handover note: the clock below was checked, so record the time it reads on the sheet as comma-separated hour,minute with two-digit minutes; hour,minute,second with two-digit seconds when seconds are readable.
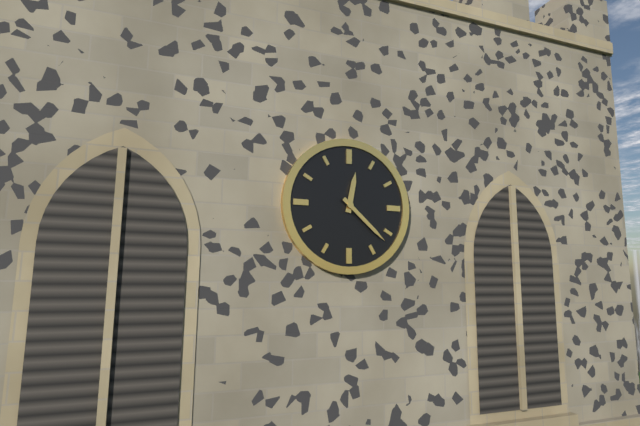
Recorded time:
12,22
